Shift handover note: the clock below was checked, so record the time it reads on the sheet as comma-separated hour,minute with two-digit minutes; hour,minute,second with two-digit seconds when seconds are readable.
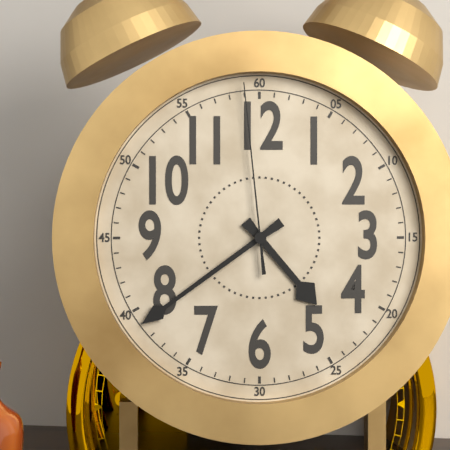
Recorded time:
4,39,59
